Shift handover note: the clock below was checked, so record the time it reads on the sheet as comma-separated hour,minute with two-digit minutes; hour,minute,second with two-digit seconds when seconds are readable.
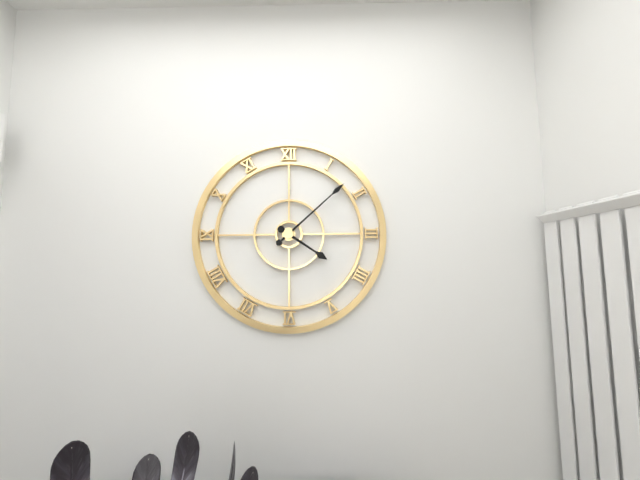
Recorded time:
4,08
